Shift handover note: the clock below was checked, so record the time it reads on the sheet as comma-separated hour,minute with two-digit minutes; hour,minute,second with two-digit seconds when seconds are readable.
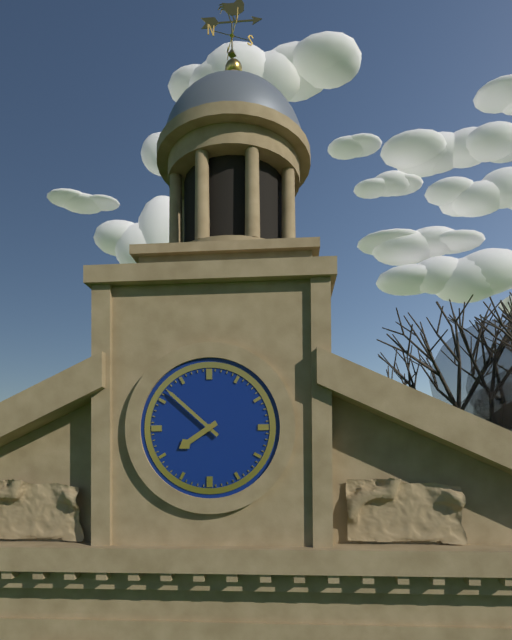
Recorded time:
7,52
